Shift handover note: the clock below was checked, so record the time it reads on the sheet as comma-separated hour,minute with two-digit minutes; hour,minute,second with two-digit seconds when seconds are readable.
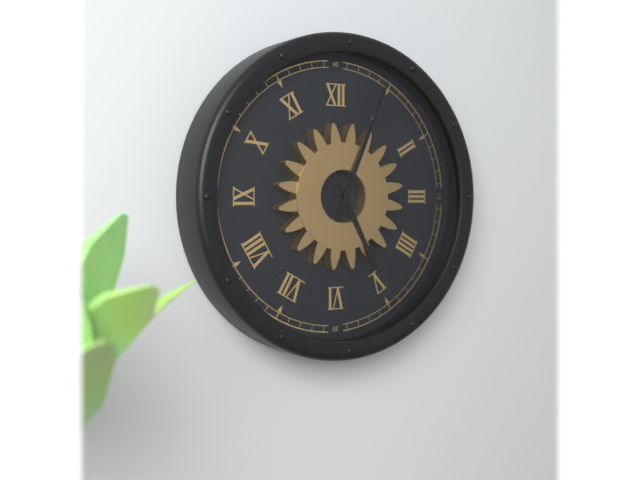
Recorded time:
5,04
